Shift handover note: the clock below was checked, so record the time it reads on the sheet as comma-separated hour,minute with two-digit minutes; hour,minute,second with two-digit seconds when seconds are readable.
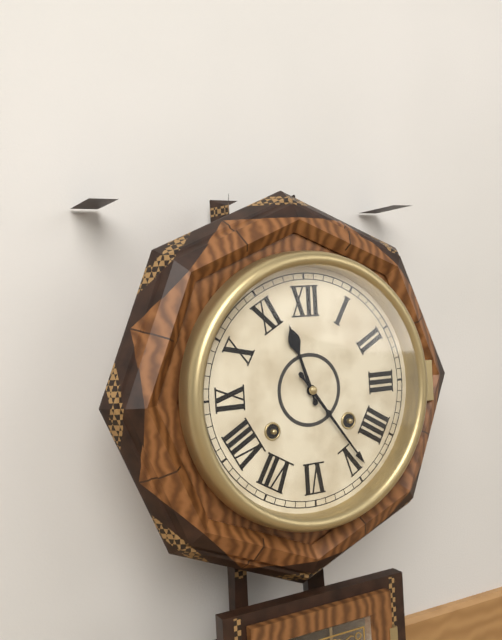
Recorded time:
11,24
